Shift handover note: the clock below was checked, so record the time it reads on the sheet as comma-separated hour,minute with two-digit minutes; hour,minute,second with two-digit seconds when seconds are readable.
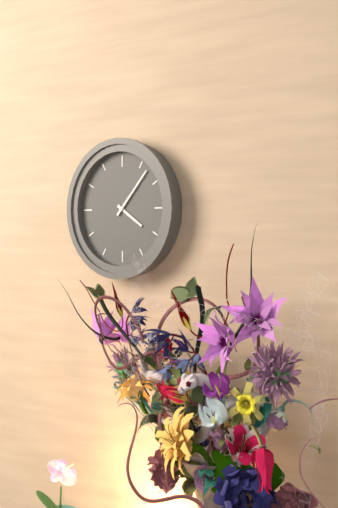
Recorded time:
4,07
